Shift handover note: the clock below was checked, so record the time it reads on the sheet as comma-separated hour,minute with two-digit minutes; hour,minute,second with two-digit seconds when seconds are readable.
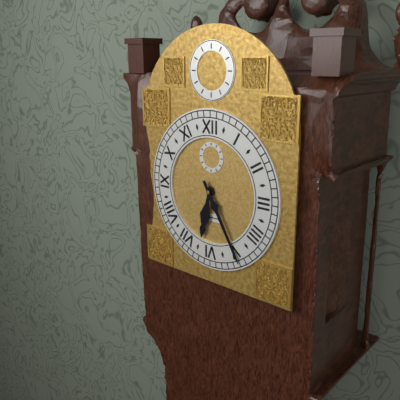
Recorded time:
6,25
